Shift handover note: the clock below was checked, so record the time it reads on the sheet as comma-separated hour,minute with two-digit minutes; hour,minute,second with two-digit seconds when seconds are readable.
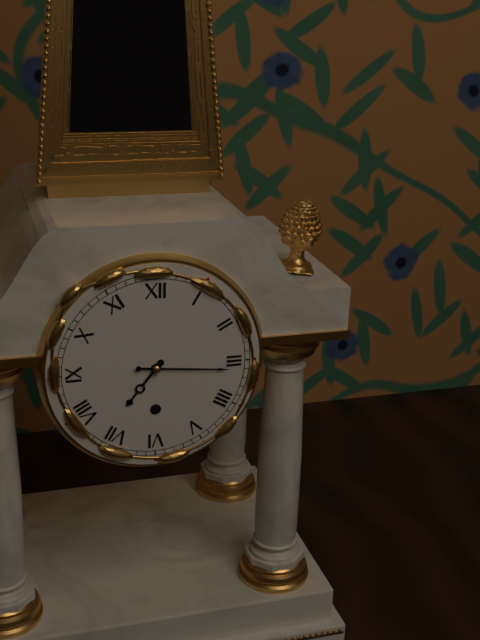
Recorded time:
7,16
